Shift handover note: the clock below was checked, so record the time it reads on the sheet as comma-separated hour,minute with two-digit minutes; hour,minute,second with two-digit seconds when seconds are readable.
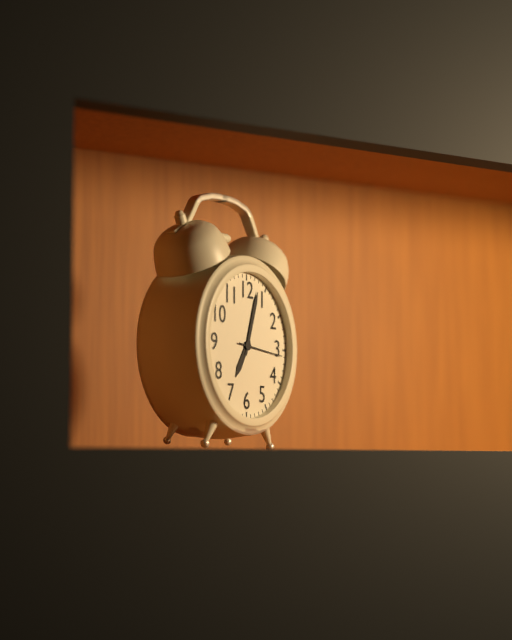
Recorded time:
7,03
